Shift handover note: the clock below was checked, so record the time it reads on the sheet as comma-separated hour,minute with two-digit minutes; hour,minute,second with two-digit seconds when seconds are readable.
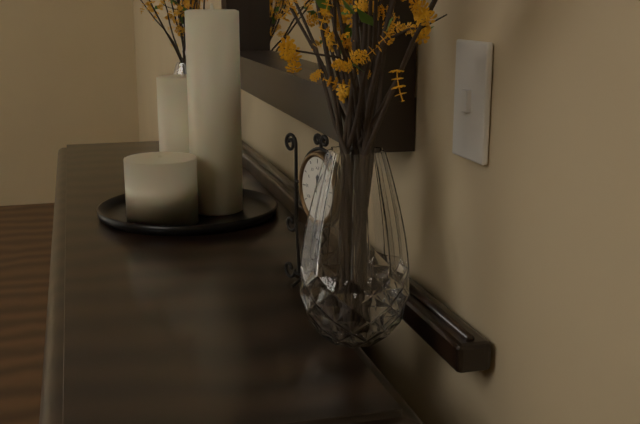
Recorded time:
12,06
